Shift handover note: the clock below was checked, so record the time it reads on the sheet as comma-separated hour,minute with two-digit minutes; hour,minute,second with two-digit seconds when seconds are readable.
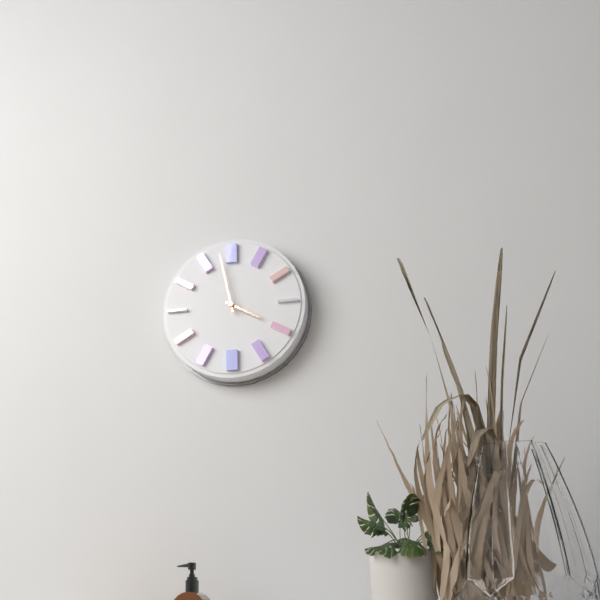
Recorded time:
3,58
